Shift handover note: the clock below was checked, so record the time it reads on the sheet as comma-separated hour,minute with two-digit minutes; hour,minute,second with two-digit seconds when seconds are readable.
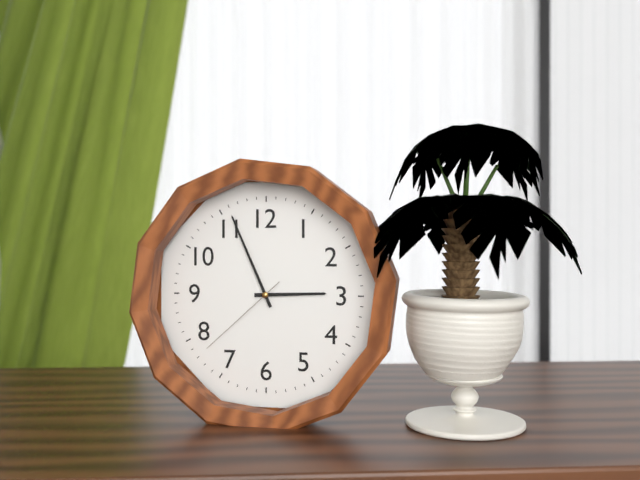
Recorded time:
2,56,38
